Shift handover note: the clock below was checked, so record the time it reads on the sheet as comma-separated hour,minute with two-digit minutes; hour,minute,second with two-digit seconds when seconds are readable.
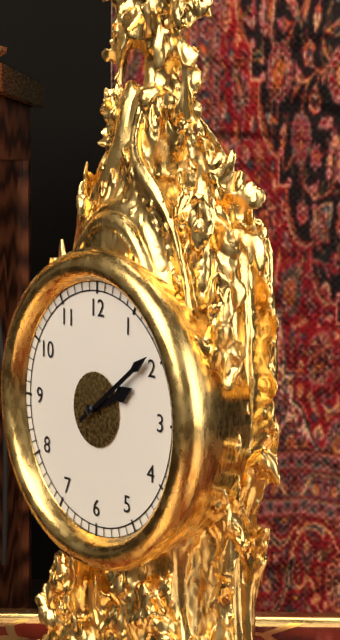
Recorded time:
2,09
